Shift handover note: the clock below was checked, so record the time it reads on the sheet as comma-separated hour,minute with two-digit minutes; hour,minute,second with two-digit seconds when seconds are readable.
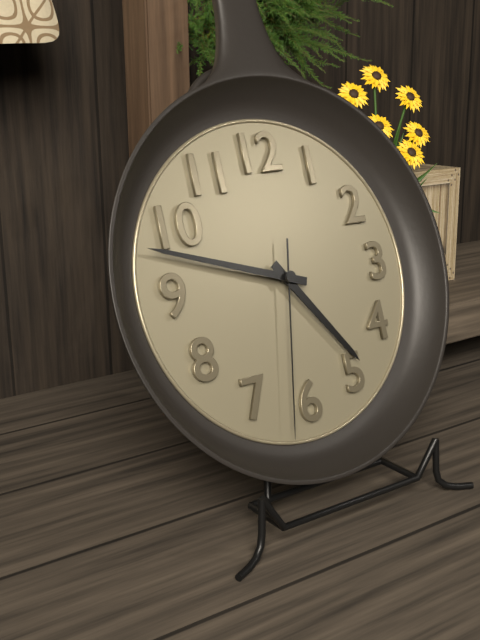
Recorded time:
4,48,32
